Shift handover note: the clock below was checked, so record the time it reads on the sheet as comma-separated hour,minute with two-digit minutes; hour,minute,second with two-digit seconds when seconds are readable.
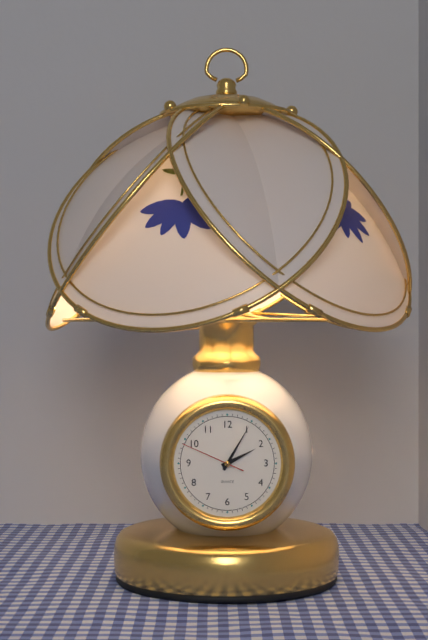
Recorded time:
2,05,49
